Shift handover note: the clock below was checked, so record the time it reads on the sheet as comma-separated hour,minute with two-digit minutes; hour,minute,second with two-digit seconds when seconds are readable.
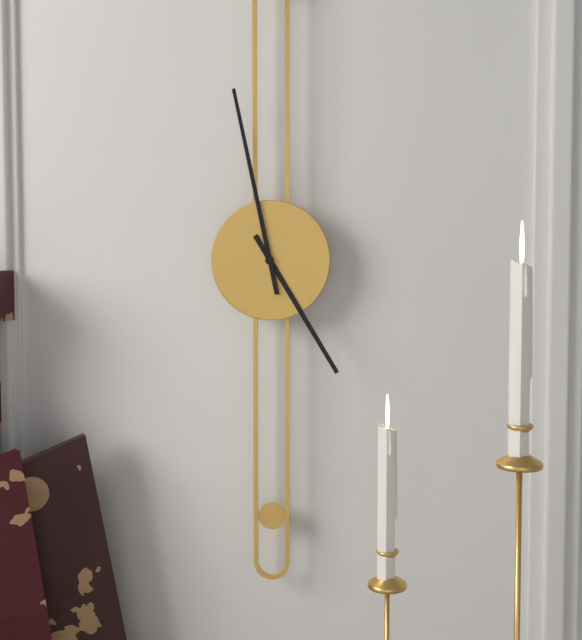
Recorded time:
4,58
